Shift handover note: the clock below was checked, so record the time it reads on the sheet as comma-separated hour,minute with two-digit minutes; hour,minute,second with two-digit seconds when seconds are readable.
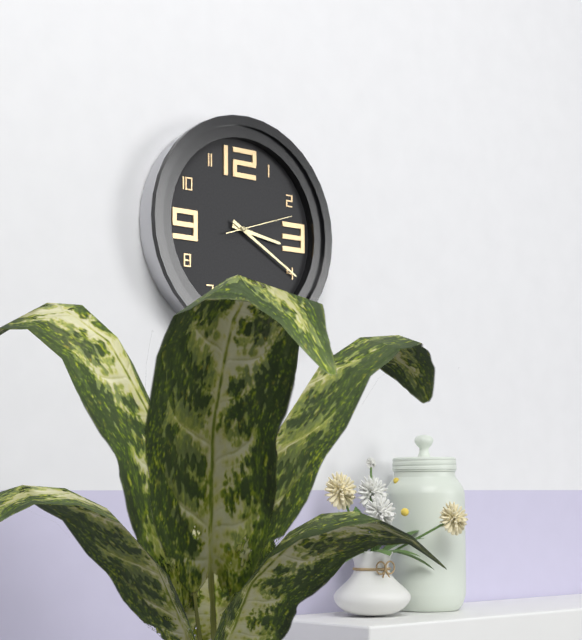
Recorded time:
3,20,12
